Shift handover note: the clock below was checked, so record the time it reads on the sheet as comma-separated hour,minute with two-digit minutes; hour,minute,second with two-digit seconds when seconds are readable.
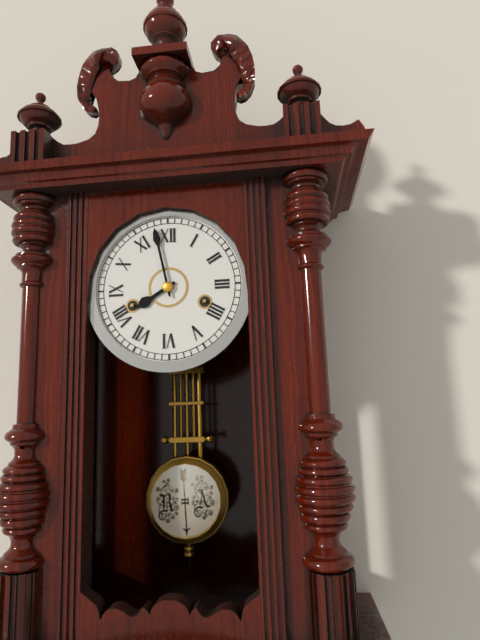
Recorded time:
7,58
